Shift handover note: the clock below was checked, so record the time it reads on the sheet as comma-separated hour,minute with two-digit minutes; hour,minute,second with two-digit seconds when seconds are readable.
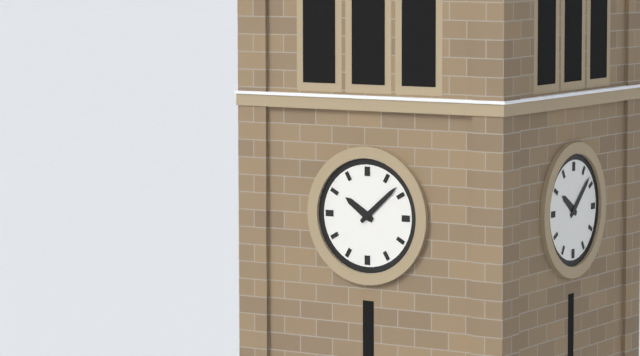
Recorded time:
10,08
